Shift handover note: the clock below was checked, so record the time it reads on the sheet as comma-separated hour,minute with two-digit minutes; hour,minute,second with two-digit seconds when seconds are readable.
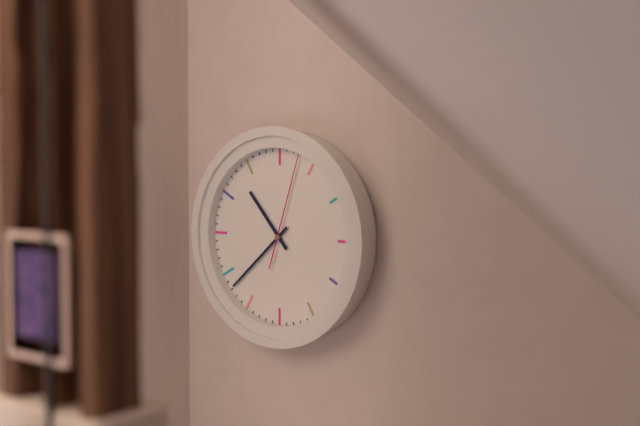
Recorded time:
10,38,03
